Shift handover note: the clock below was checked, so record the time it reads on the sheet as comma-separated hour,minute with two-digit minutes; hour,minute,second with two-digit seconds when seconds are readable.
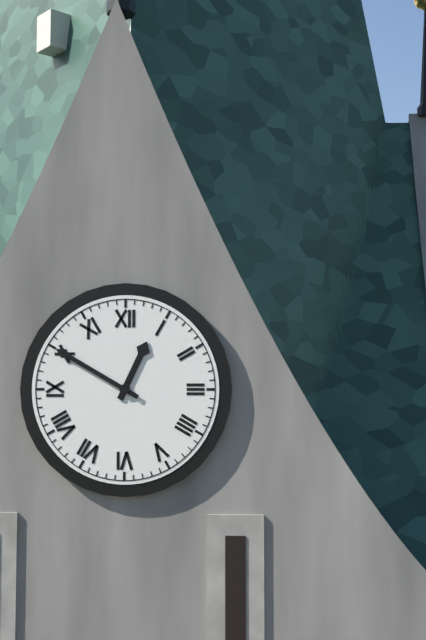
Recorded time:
12,50
